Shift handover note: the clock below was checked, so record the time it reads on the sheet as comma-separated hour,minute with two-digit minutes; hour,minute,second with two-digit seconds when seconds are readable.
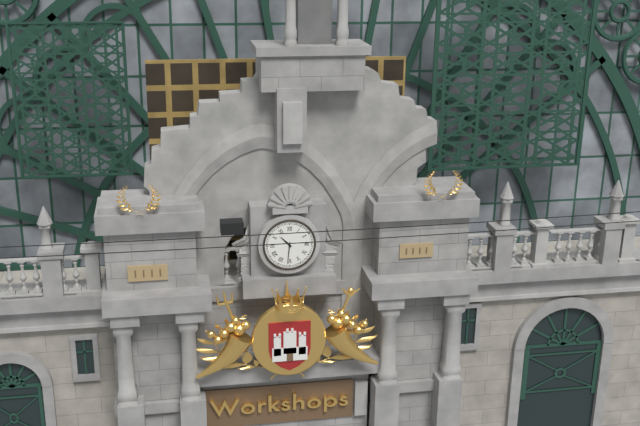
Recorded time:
10,31
